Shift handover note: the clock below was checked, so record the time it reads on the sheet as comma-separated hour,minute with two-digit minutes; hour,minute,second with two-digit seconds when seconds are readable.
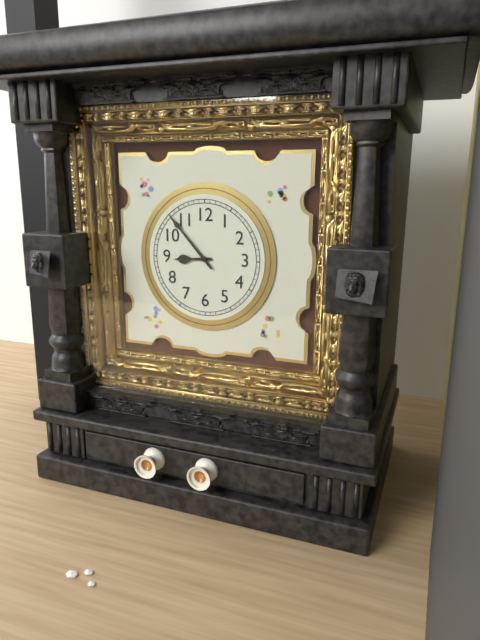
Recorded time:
8,53
